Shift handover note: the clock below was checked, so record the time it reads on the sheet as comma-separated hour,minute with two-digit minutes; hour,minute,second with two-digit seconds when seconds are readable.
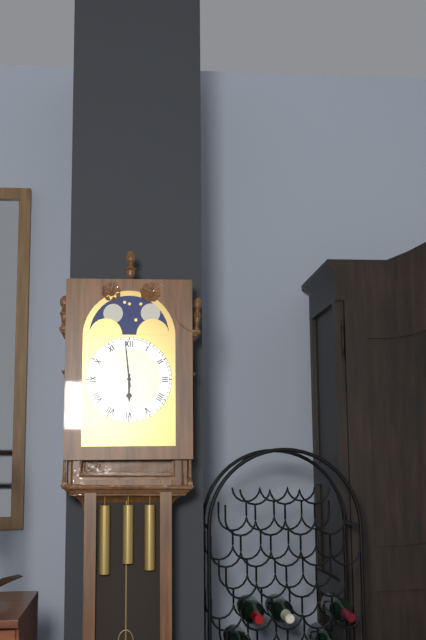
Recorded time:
5,59
